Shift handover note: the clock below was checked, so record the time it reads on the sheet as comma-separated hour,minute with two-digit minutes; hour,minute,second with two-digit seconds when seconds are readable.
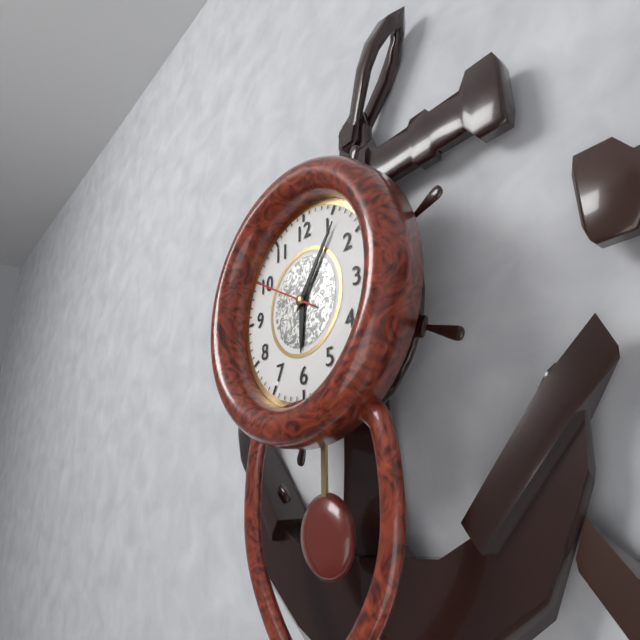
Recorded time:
6,06,50
